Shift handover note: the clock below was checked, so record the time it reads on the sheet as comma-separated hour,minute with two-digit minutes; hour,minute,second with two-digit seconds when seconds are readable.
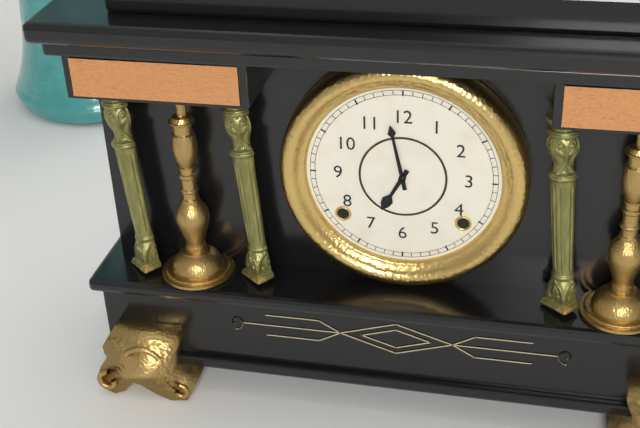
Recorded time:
6,58
